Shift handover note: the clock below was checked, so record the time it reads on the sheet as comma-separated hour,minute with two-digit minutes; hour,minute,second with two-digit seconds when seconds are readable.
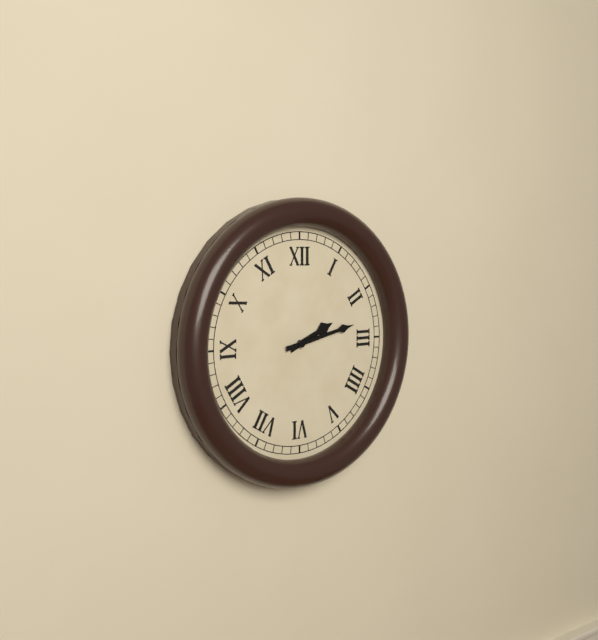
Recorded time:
2,13
